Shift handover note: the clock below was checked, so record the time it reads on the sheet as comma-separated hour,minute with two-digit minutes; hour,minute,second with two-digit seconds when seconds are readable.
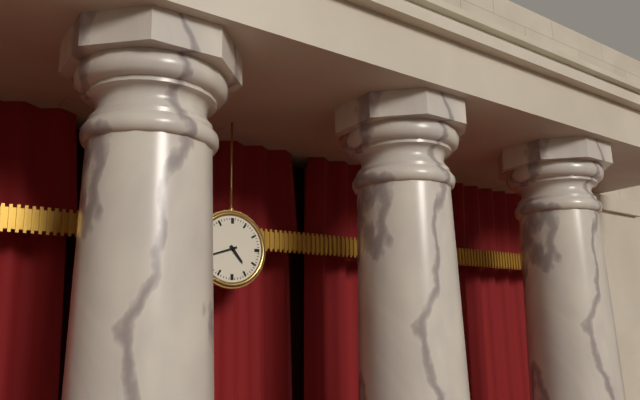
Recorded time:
4,42
